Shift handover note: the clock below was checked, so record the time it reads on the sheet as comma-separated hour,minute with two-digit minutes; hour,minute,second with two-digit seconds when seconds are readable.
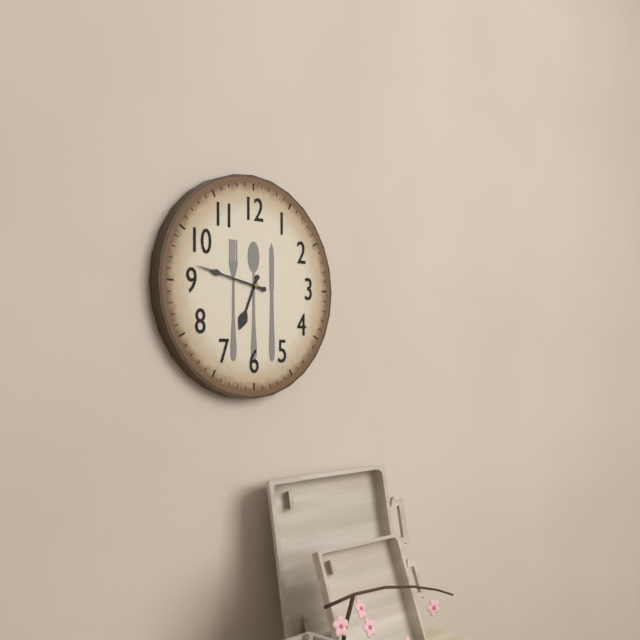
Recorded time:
6,47
